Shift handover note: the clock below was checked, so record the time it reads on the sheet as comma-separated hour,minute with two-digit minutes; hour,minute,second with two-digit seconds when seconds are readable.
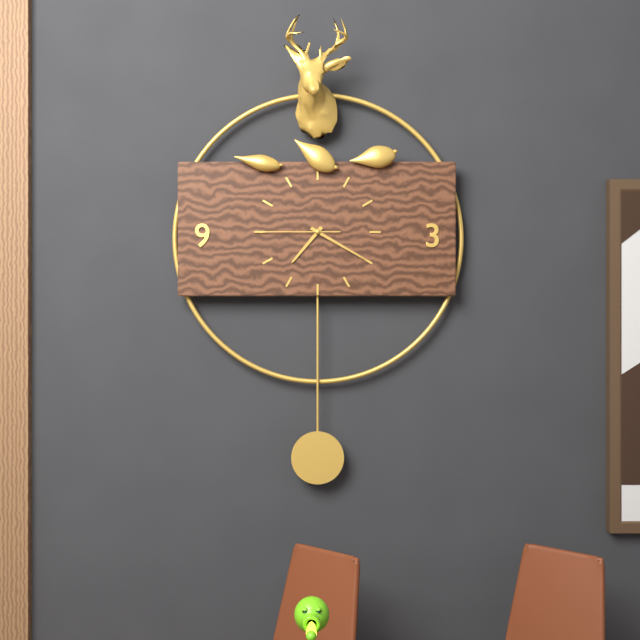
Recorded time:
7,20,45
